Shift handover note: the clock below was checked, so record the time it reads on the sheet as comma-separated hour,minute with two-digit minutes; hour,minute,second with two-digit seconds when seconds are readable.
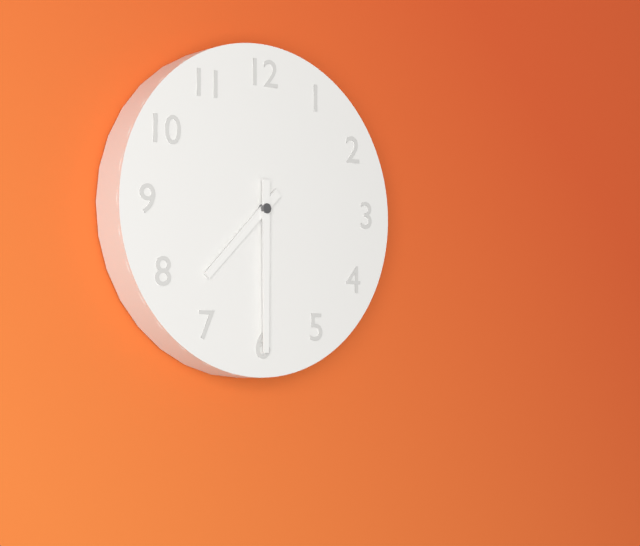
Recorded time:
7,30
